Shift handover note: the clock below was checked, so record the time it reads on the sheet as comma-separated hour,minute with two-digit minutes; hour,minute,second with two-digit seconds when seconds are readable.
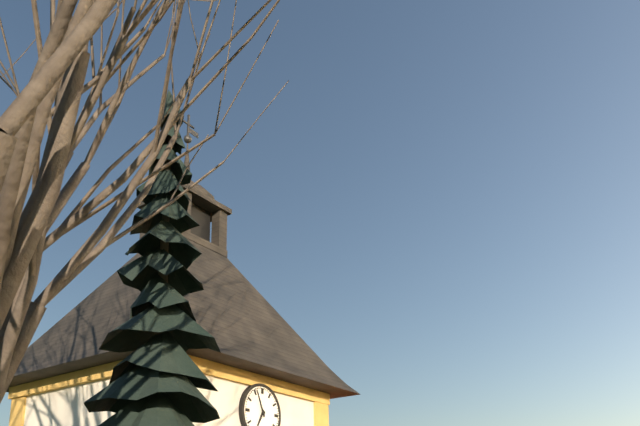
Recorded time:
6,56
